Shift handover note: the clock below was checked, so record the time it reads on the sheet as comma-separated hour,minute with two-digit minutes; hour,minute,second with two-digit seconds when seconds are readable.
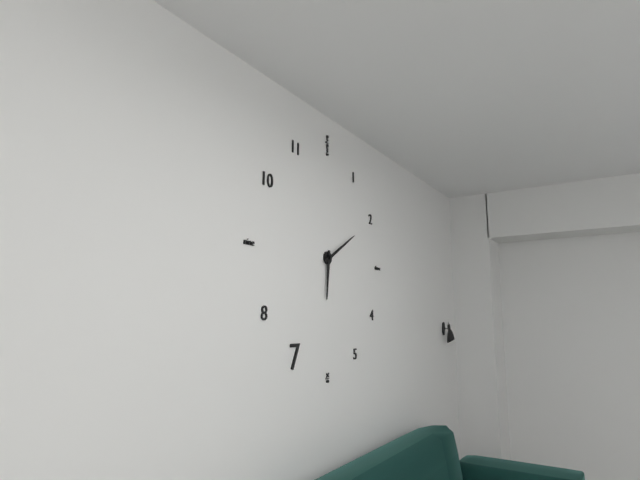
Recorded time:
6,10
